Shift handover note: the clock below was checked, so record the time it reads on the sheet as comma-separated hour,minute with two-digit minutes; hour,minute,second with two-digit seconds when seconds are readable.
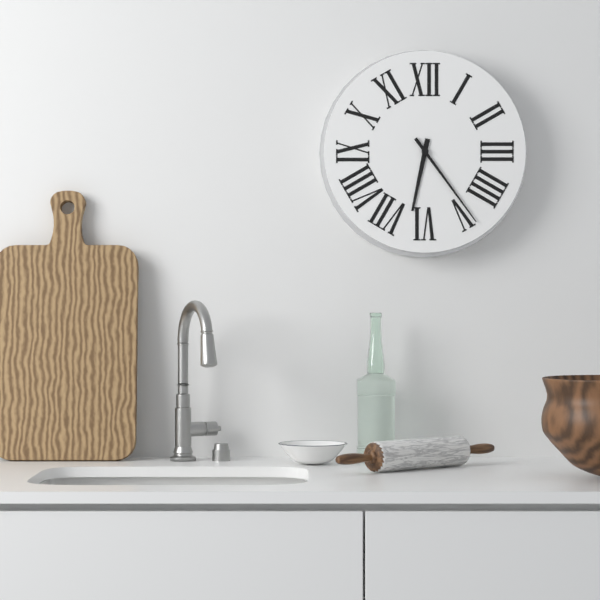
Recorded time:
6,24
